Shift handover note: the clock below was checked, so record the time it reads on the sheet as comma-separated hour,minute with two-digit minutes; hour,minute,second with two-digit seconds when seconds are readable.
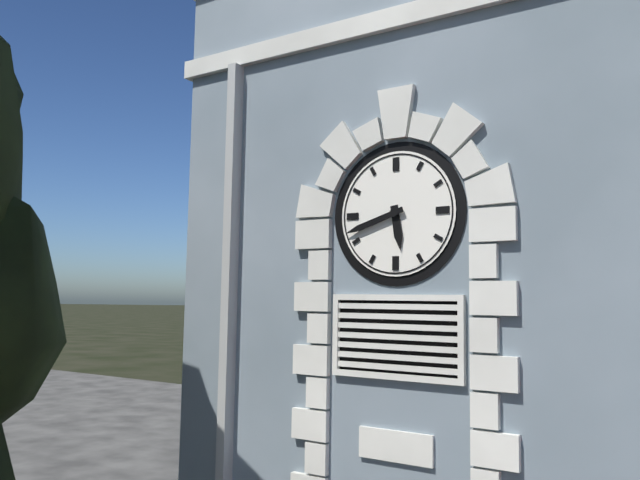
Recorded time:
5,42
